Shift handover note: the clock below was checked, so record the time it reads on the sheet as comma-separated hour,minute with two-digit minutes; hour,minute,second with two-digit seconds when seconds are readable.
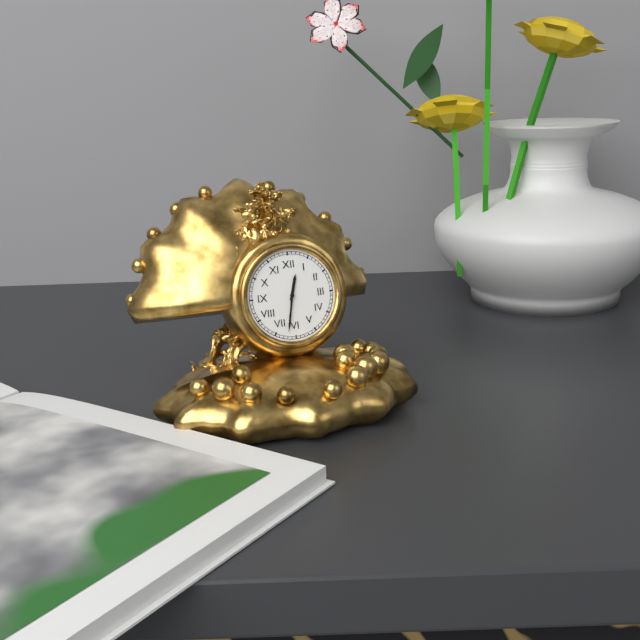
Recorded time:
12,32
